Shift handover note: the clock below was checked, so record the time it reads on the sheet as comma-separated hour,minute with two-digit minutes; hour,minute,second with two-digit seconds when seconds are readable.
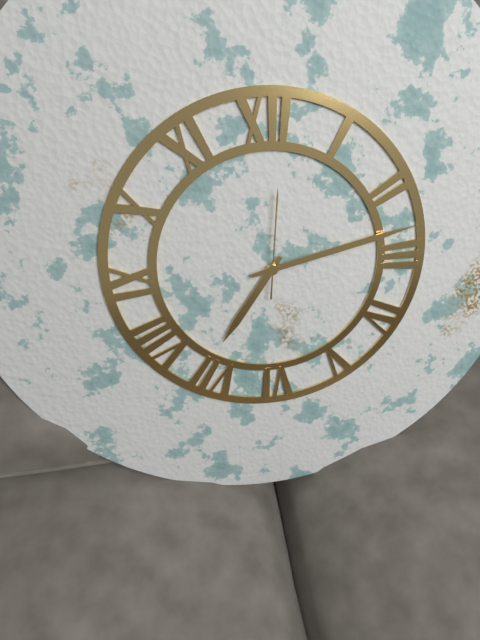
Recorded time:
7,13,01
